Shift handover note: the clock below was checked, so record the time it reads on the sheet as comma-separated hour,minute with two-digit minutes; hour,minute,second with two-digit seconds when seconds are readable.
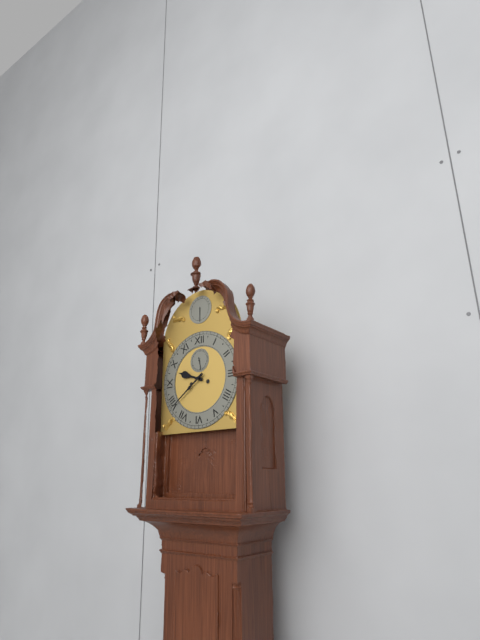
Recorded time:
9,39
